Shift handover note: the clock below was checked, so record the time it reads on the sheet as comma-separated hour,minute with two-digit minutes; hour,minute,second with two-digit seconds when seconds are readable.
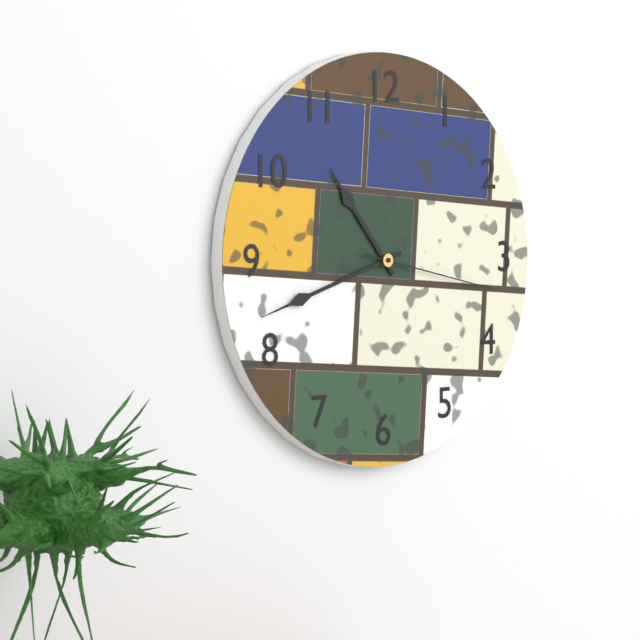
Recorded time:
10,42,17
